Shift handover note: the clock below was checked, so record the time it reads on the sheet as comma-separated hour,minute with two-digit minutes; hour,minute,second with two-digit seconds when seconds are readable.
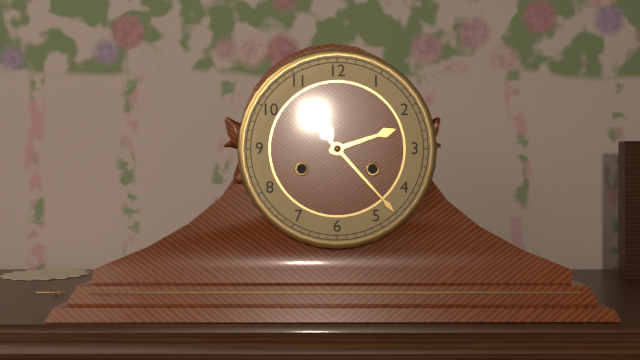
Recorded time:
2,23
